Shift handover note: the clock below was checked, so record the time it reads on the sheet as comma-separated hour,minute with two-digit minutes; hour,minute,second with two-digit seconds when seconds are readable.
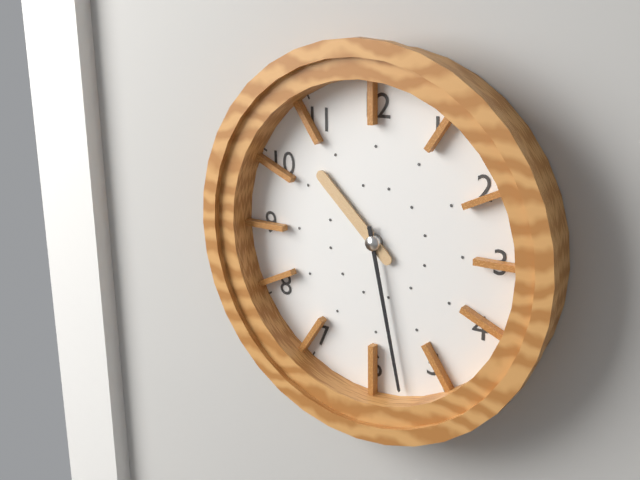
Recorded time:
10,28
